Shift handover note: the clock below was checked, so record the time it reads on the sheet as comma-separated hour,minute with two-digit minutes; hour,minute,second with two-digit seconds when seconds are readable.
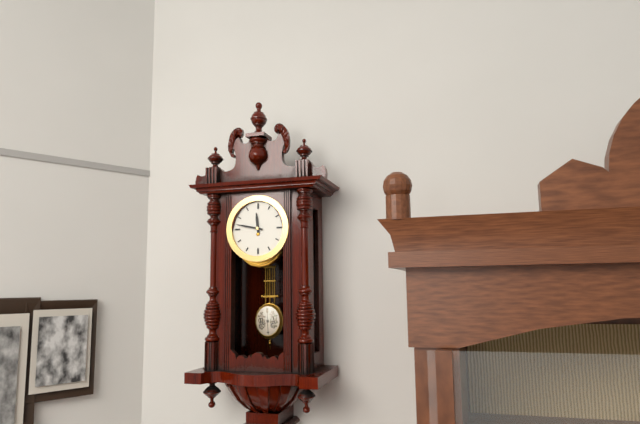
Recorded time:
11,47
